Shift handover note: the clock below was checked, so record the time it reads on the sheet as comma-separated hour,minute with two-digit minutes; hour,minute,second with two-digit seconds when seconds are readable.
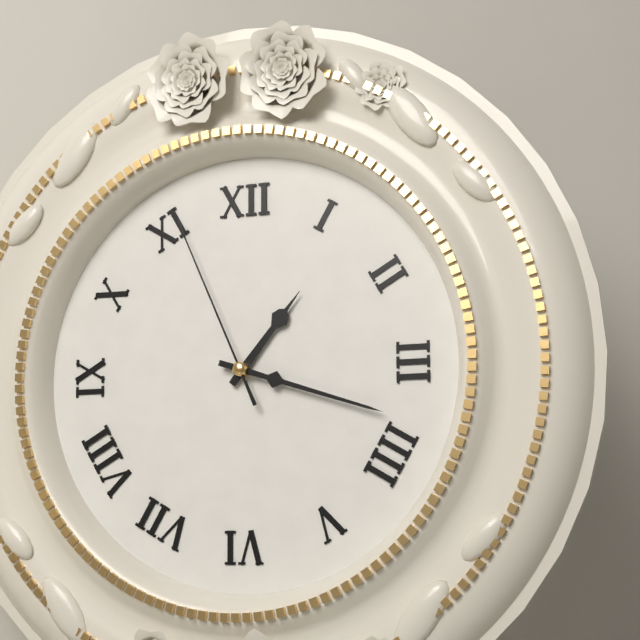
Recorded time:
1,18,56
